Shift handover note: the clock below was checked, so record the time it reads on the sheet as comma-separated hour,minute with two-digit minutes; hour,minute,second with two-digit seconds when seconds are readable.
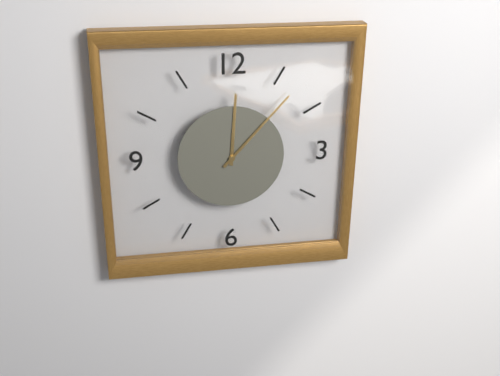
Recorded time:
12,07
